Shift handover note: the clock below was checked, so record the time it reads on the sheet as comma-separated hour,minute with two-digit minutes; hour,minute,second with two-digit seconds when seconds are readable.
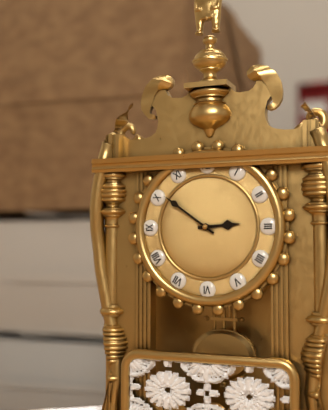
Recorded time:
2,51
